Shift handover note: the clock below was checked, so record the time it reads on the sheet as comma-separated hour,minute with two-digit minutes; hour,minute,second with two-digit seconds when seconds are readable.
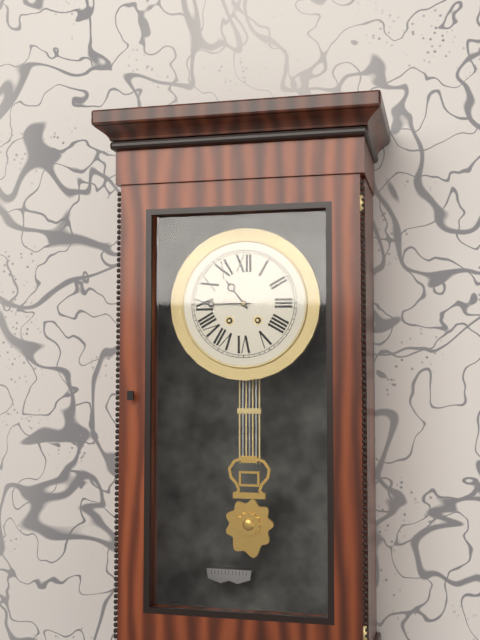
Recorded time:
10,45
